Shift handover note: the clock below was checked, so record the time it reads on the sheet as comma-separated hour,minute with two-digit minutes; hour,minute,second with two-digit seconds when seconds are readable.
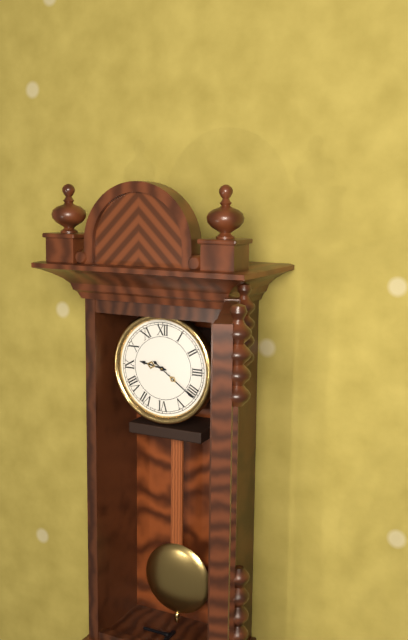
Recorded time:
9,21
